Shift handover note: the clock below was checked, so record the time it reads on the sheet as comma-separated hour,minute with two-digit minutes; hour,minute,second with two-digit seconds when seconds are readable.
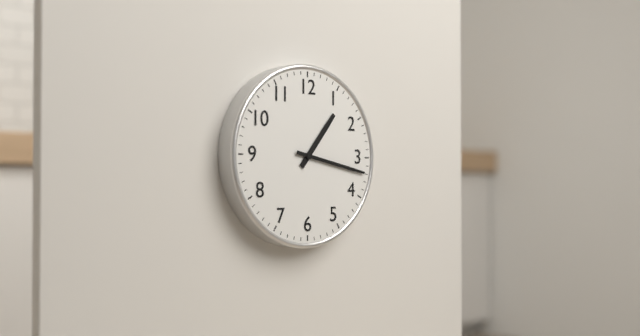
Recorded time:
1,17
